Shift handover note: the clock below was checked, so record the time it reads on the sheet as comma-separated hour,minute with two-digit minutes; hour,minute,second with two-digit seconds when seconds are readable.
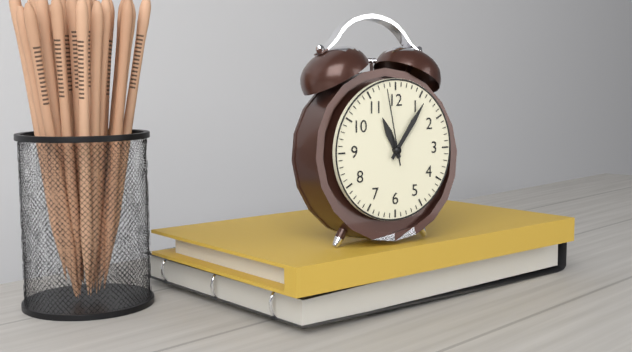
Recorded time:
11,06,58
